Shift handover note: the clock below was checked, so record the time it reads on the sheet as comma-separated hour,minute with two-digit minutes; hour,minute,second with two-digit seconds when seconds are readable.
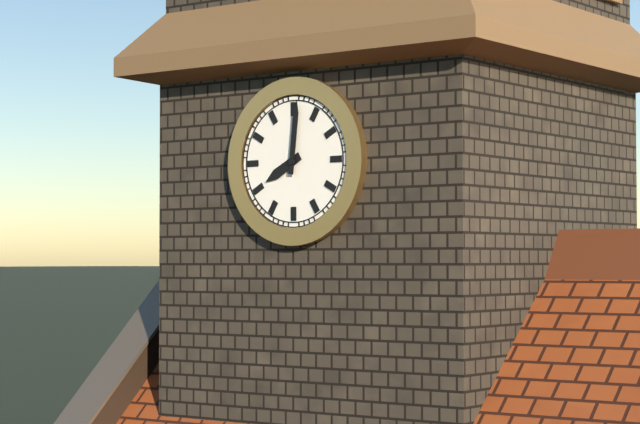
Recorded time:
8,01
